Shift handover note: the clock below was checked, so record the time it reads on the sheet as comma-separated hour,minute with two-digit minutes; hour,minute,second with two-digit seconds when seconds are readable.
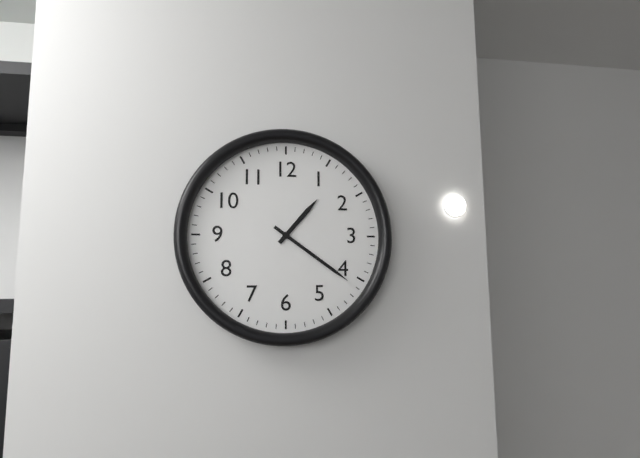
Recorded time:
1,21
